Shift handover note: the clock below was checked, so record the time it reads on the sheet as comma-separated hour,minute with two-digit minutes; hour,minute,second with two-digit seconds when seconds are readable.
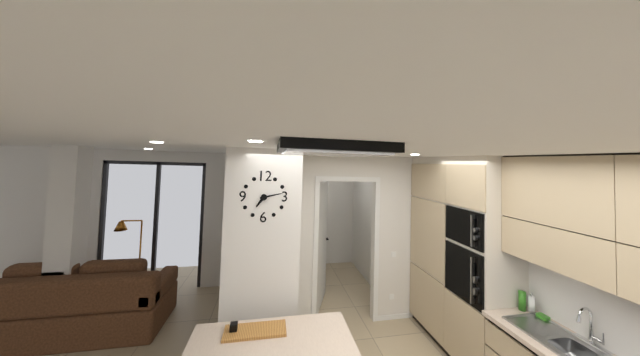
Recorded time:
7,13
